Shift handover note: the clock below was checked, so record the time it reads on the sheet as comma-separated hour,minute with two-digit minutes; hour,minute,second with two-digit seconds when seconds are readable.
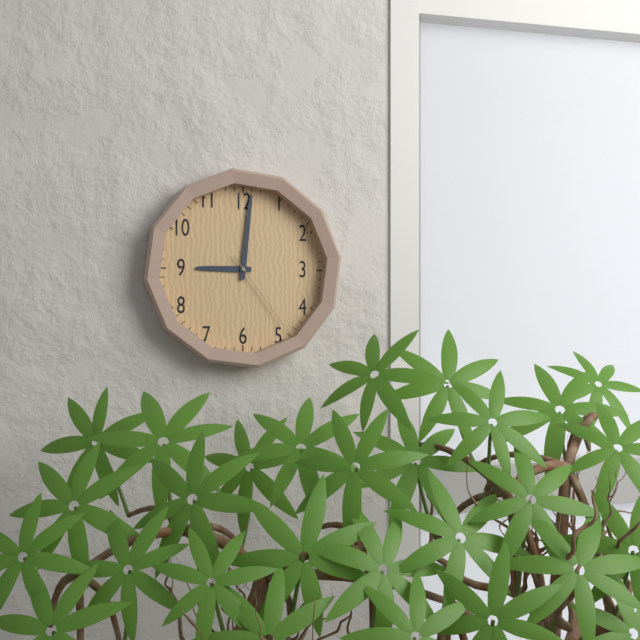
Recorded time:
9,01,24
